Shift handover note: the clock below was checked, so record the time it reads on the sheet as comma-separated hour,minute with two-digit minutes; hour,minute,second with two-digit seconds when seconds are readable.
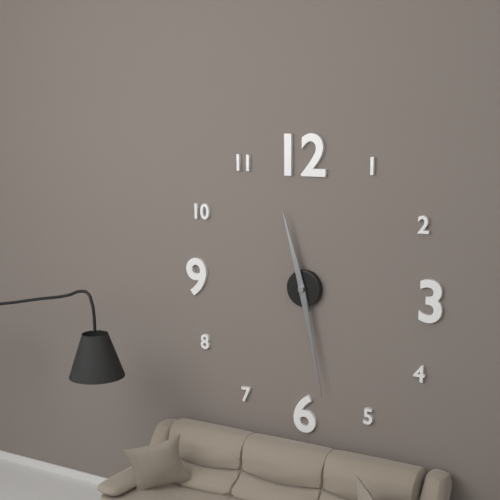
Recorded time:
11,28
